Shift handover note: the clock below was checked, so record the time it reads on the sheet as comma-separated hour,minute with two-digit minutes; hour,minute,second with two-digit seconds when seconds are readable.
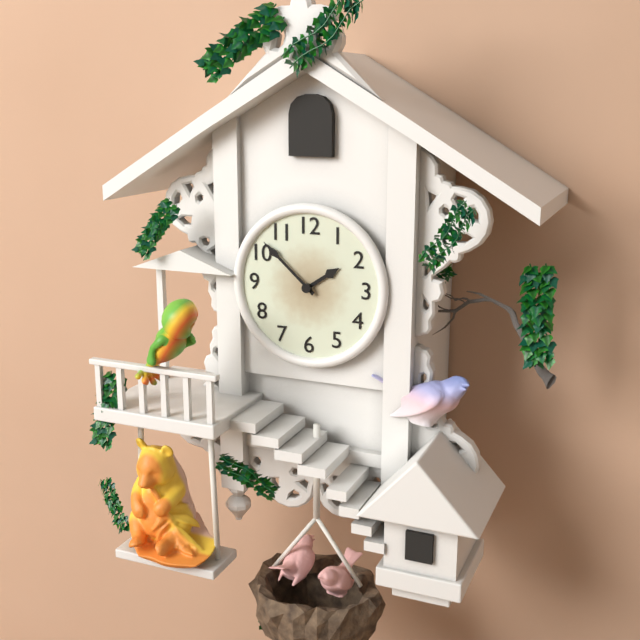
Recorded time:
1,52
